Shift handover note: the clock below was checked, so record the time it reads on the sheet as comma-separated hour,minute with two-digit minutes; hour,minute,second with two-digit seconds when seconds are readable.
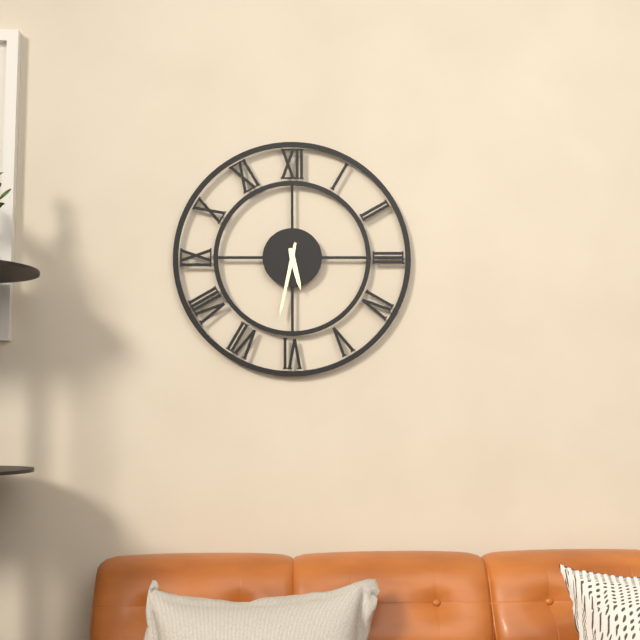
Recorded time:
5,32
